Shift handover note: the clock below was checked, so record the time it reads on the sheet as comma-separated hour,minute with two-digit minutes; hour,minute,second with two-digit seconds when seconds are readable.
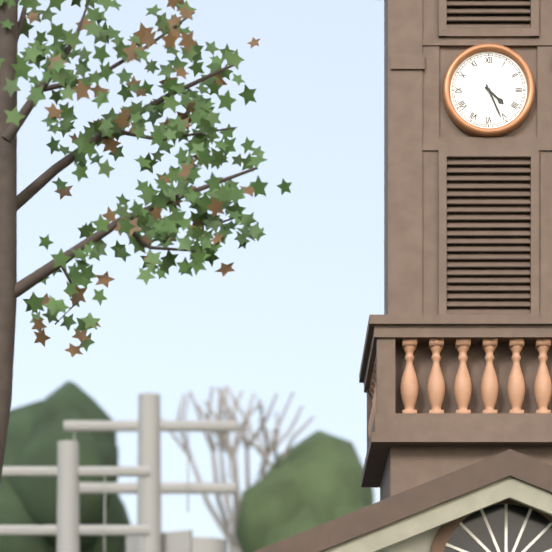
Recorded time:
4,26
